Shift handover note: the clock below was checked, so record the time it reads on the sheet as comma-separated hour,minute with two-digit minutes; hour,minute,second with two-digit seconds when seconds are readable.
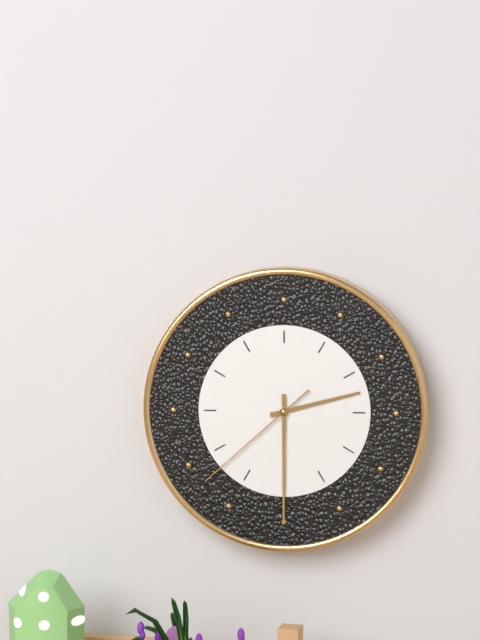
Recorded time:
2,30,38
